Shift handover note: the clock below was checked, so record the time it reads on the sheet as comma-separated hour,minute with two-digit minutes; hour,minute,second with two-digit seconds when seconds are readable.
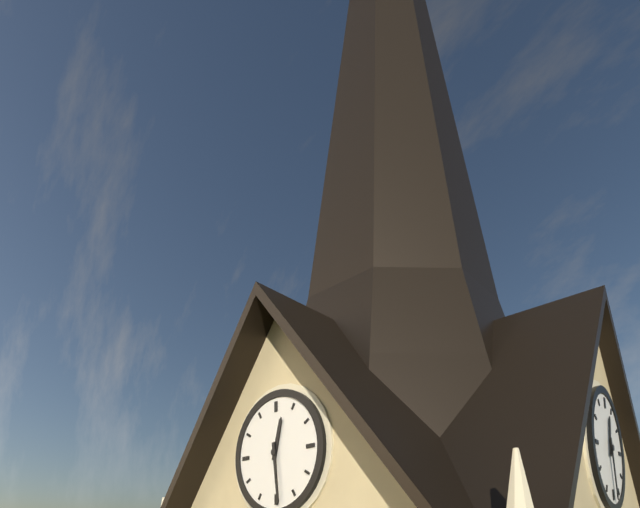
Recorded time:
12,29
